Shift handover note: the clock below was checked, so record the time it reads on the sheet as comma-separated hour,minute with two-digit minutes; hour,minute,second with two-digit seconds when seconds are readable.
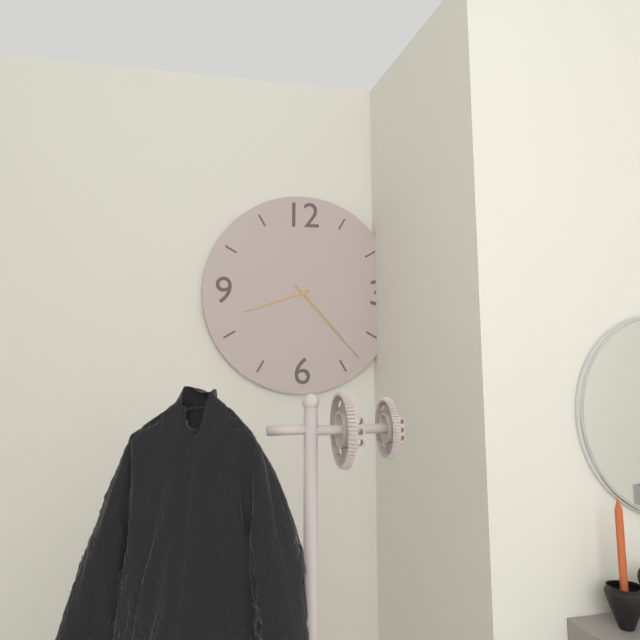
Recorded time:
8,23
